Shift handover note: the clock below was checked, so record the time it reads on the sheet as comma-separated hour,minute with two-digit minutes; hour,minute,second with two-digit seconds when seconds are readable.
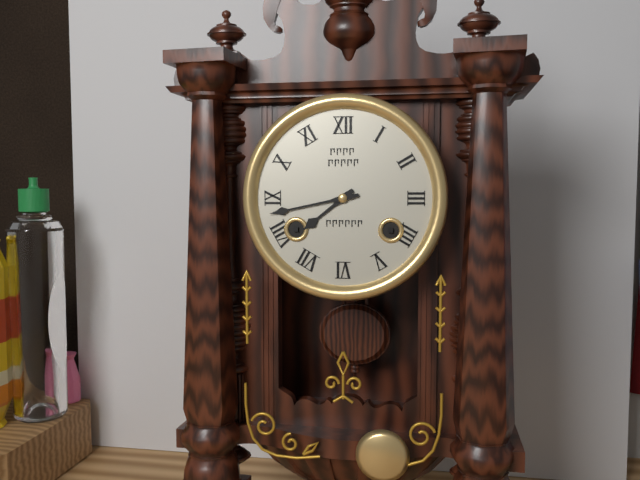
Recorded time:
7,43
